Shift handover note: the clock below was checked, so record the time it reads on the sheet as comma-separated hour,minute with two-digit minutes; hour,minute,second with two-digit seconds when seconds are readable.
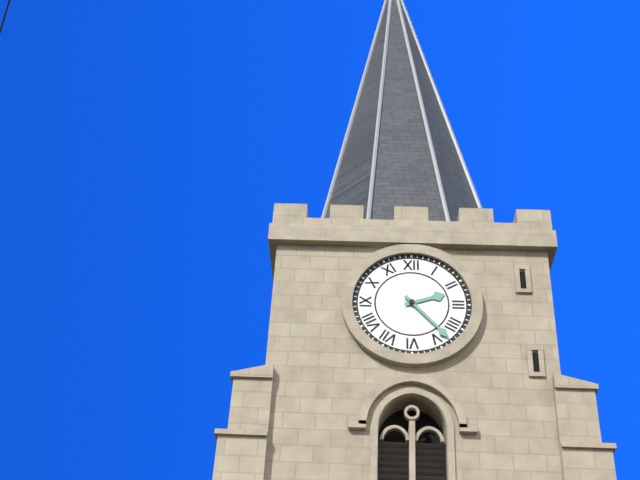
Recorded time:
2,23
